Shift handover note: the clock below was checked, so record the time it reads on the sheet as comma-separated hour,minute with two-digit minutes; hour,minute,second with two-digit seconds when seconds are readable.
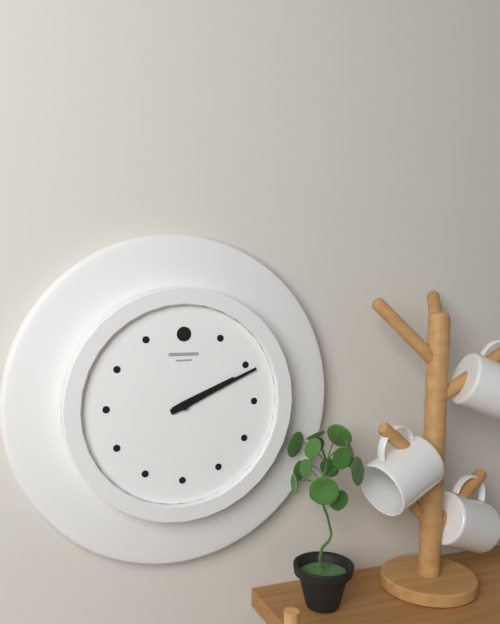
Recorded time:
2,11
